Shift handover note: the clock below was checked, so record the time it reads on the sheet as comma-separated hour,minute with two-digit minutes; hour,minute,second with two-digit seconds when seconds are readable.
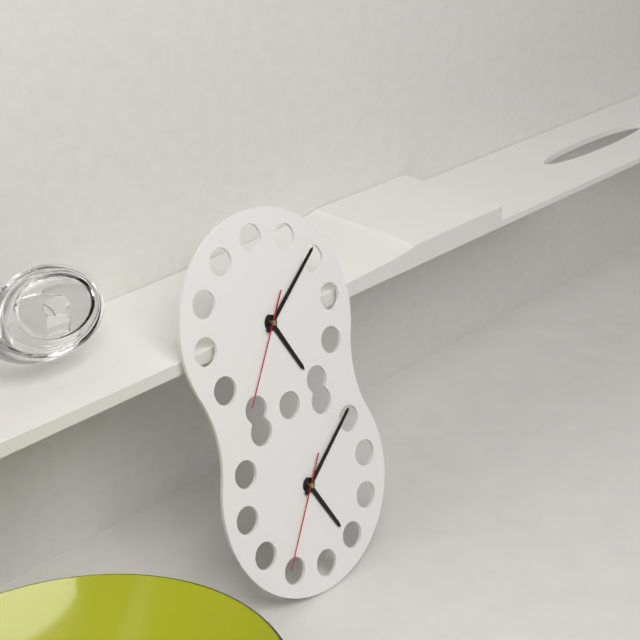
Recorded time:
5,09,36
